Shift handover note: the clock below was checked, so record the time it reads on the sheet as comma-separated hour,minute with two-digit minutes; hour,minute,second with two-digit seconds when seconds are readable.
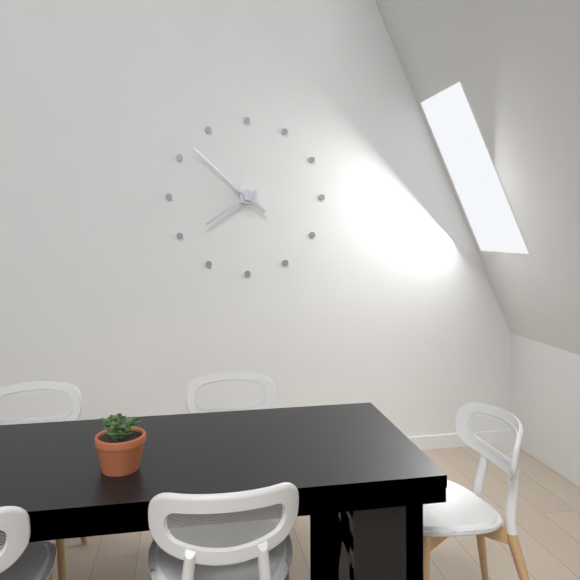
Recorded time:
7,52
